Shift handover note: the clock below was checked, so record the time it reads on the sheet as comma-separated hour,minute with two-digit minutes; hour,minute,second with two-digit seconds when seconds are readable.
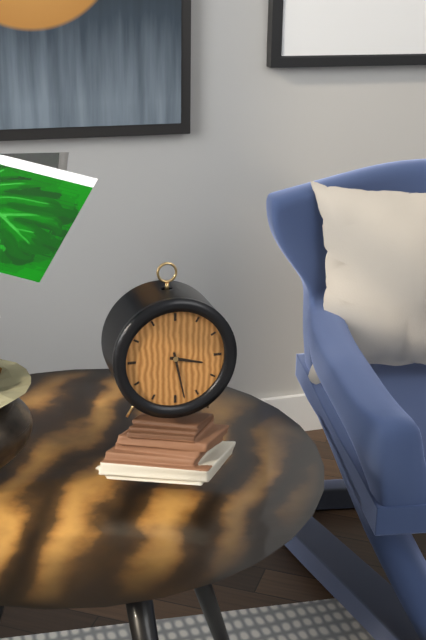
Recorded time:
3,28
